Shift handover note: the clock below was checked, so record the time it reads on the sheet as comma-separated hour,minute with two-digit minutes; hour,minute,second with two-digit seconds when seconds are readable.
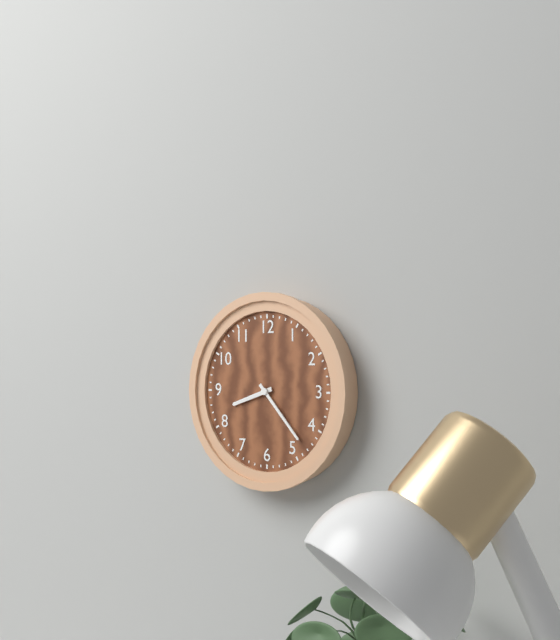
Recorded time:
8,23
